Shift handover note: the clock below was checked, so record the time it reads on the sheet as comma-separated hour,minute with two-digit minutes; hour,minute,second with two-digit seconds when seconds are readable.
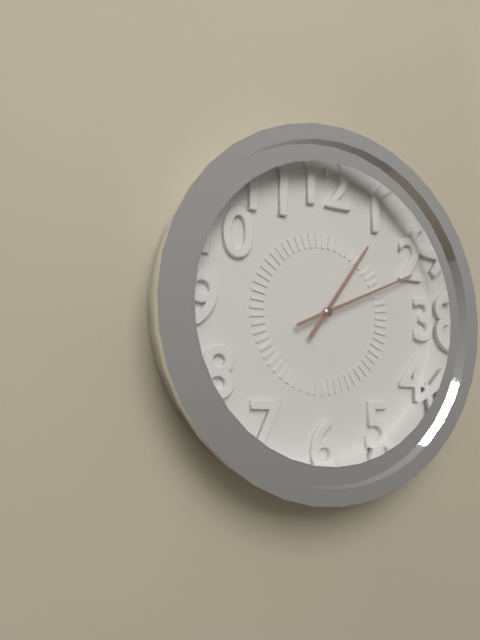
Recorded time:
1,11
